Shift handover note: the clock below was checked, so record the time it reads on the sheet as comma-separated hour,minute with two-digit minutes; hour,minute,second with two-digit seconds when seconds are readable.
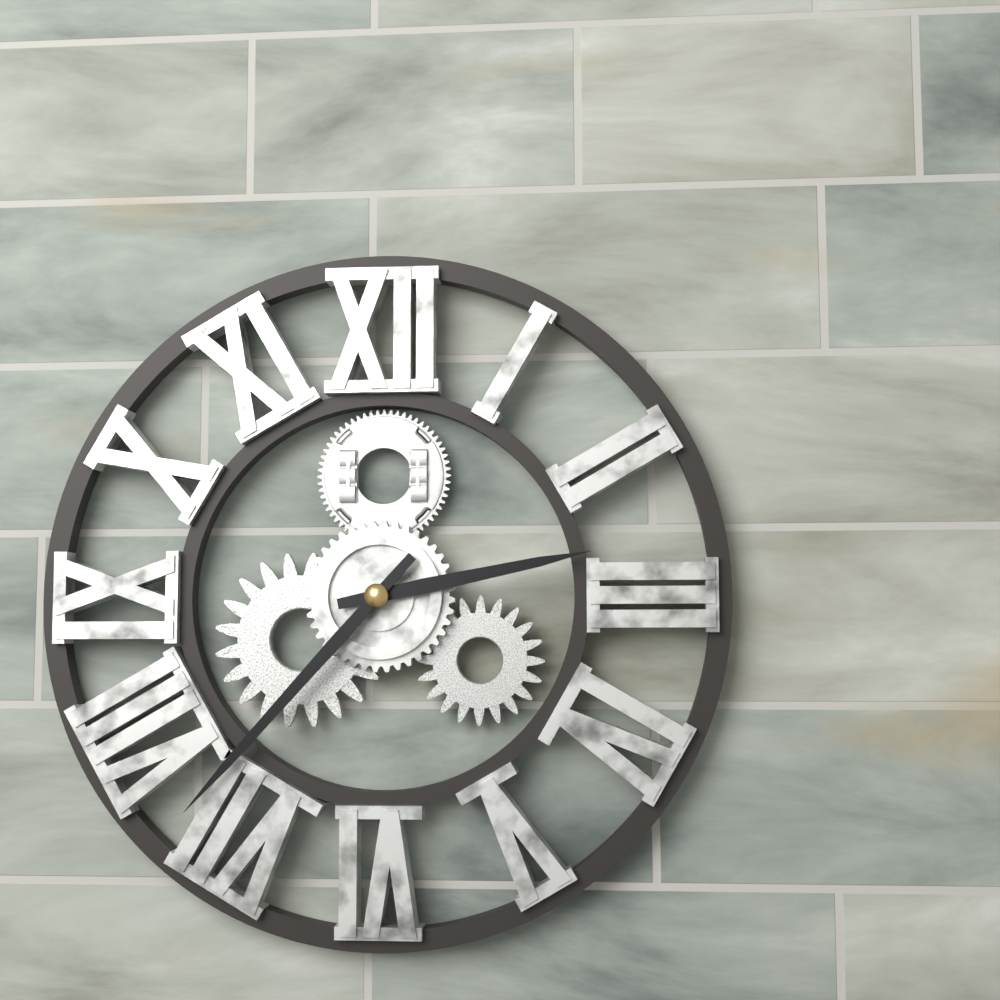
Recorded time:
2,37
